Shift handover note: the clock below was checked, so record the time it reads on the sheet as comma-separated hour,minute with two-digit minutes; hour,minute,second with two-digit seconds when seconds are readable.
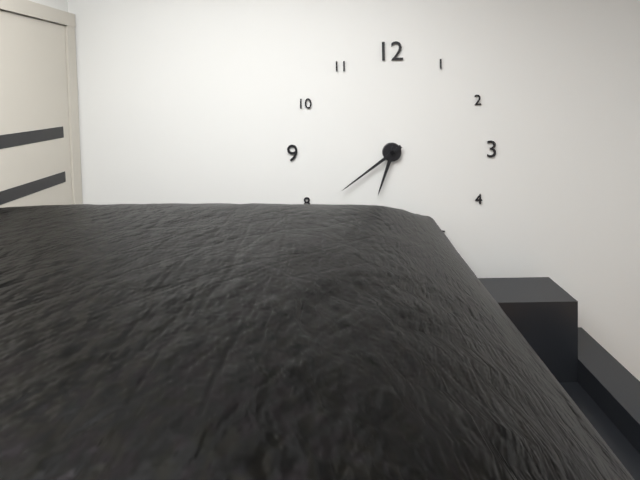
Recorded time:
6,39
